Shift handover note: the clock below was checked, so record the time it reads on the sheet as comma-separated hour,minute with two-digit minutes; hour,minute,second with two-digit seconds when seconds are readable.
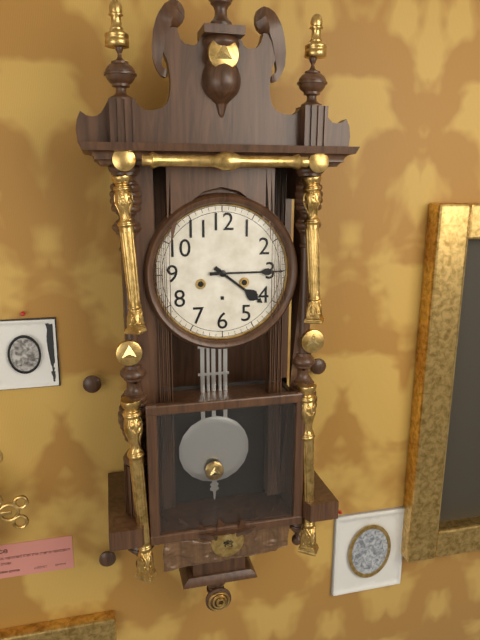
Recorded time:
4,15
